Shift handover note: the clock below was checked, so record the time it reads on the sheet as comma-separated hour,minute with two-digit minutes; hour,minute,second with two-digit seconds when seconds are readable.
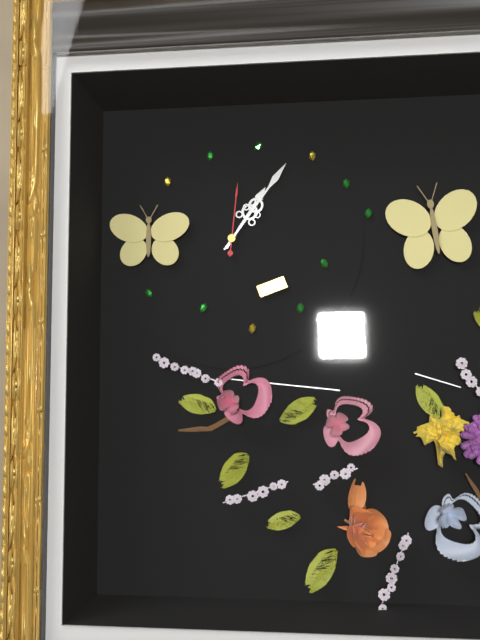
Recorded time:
1,06,01
